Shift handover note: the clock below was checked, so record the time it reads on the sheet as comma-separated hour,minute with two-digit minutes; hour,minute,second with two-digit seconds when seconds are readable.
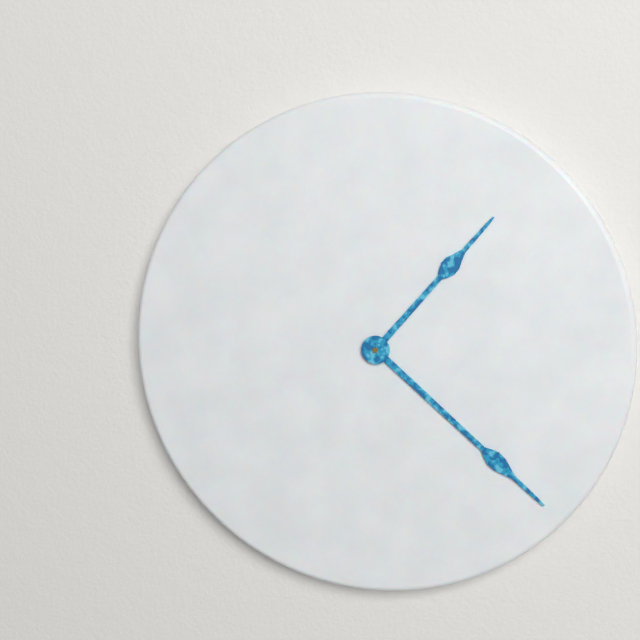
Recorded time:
1,22
